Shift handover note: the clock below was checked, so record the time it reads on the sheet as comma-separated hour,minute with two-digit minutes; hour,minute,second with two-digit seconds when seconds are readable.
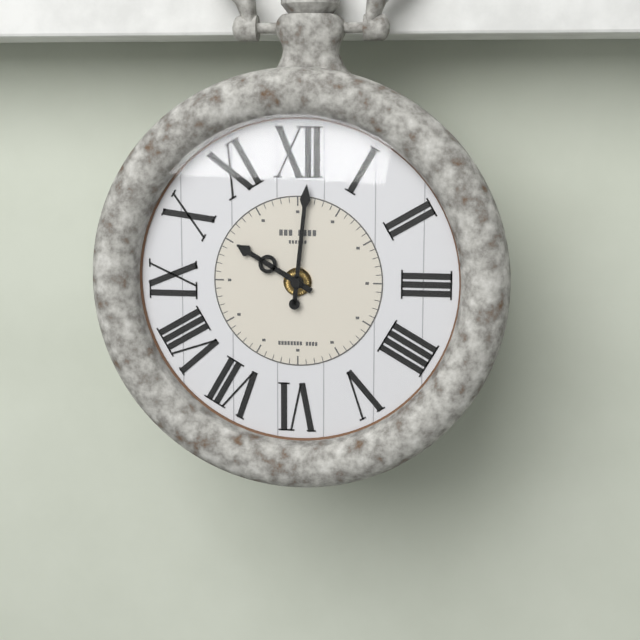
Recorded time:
10,01
